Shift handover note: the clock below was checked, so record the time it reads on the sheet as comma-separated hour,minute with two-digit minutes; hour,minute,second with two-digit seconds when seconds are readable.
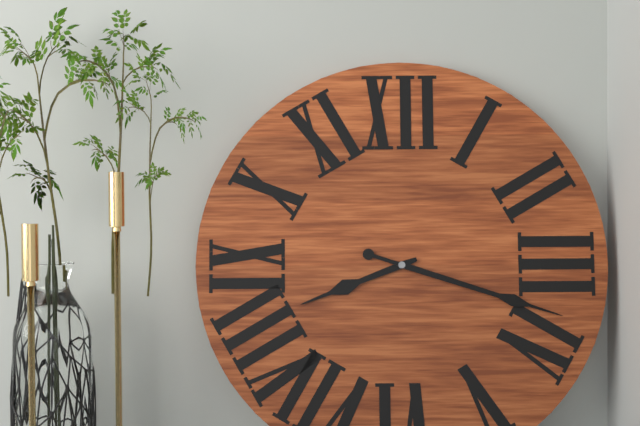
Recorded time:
8,18
